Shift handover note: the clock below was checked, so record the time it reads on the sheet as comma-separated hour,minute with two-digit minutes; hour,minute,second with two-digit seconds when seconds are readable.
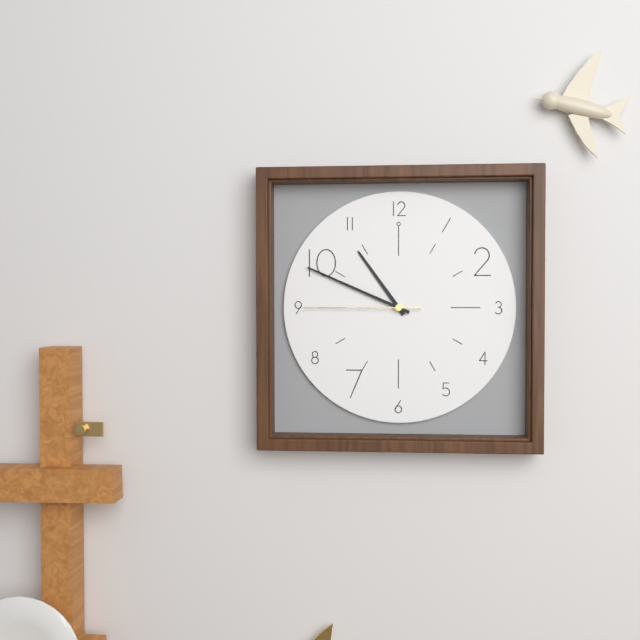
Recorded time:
10,49,45
